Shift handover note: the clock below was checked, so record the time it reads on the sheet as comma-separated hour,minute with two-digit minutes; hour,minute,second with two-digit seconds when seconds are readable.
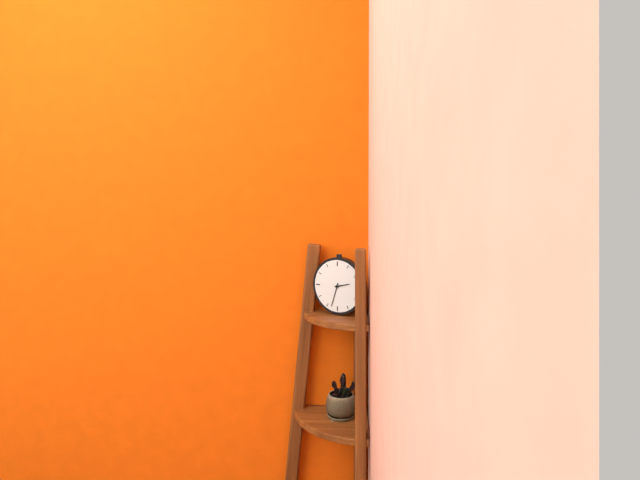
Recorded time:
2,33
